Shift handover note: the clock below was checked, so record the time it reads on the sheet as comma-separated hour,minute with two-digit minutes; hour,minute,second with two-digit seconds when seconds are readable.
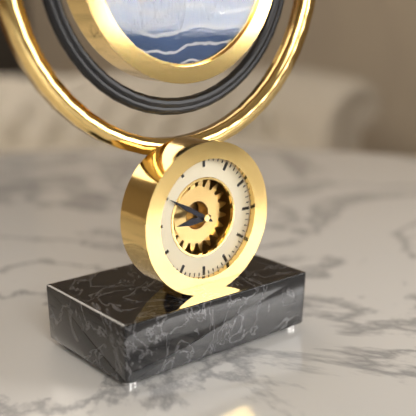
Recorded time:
8,50
